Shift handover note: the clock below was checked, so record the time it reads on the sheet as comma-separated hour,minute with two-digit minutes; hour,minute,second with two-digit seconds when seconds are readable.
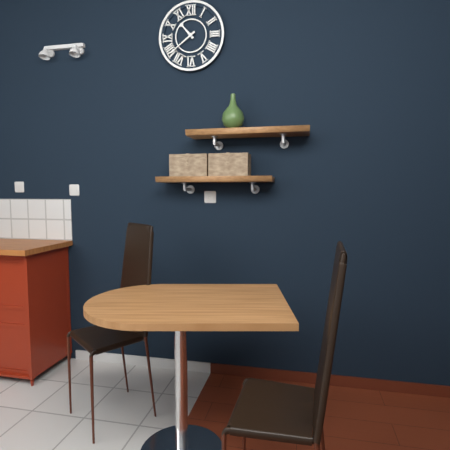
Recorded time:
10,39
